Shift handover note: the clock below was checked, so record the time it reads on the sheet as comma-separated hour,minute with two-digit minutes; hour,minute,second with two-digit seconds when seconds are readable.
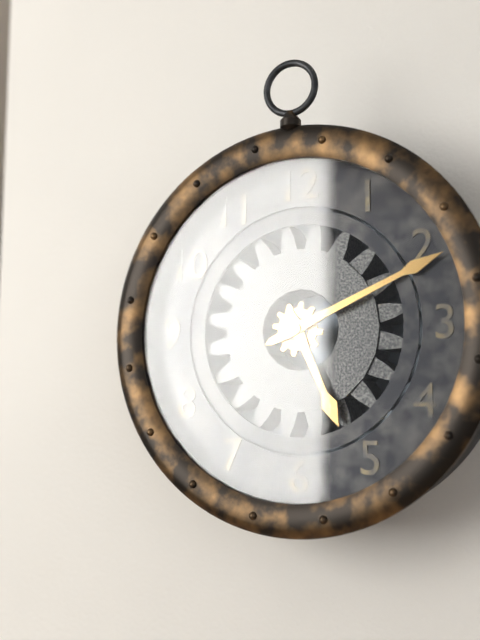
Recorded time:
5,11
